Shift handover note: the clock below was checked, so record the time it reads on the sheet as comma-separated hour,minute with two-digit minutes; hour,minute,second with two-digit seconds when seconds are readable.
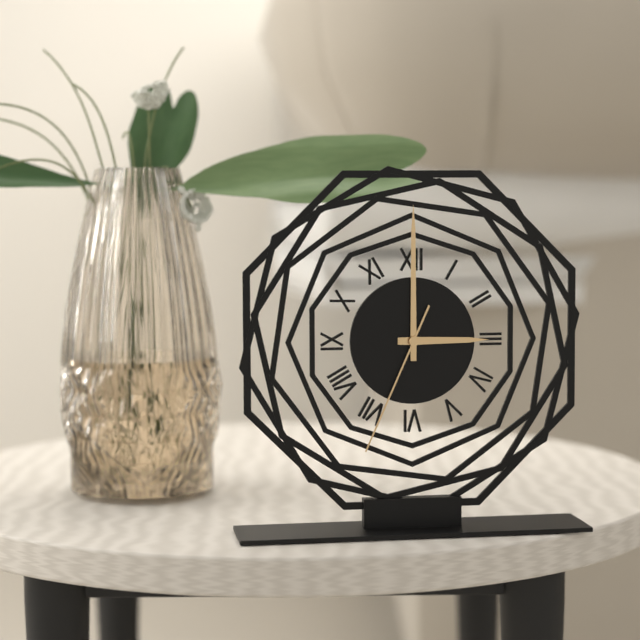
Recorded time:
3,00,34
